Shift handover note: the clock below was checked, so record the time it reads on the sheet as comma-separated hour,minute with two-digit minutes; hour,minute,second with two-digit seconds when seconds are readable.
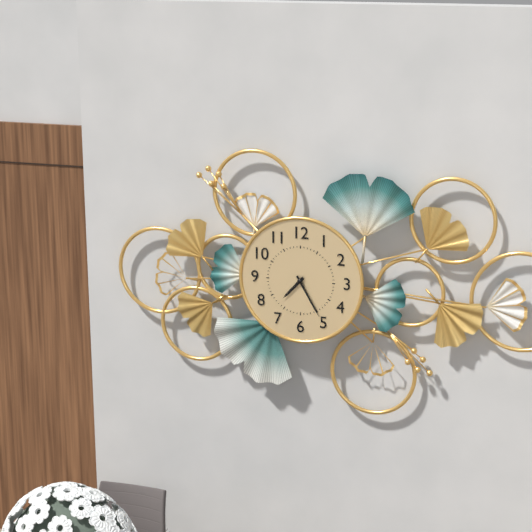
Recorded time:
7,25
